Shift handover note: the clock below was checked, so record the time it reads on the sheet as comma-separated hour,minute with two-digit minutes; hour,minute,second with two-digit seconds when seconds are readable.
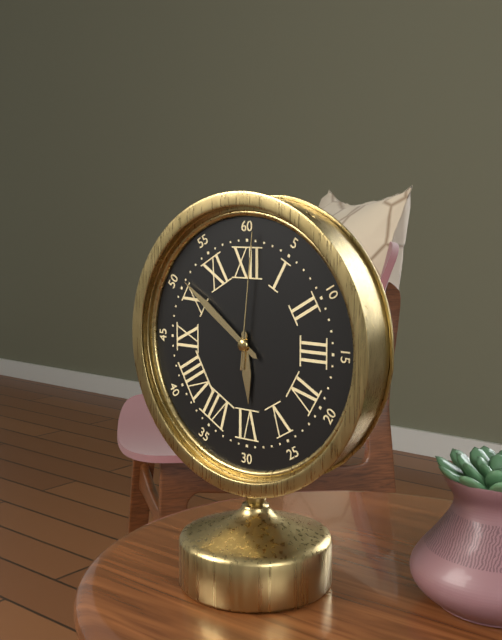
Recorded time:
5,51,01
